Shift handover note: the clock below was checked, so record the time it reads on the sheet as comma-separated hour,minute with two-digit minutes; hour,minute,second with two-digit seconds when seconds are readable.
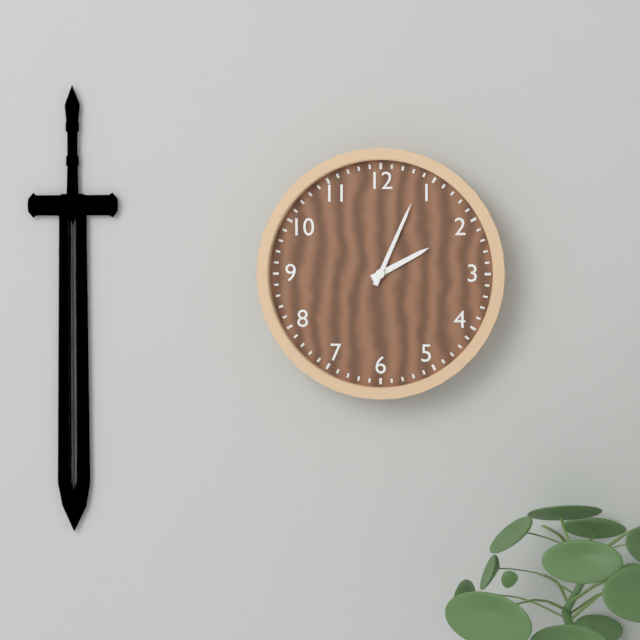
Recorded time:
2,04
